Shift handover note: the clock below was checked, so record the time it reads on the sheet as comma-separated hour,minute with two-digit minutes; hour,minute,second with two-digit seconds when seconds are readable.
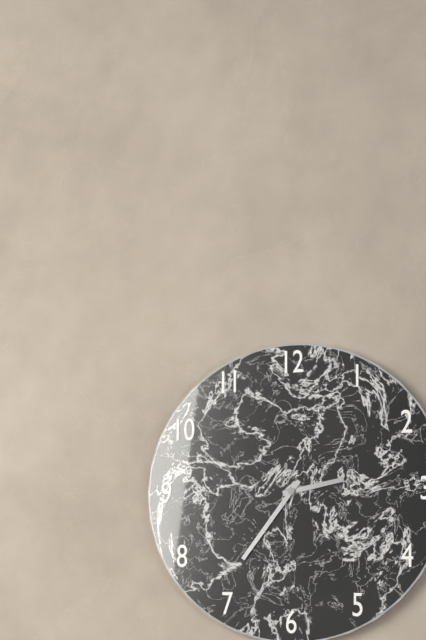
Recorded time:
2,36
